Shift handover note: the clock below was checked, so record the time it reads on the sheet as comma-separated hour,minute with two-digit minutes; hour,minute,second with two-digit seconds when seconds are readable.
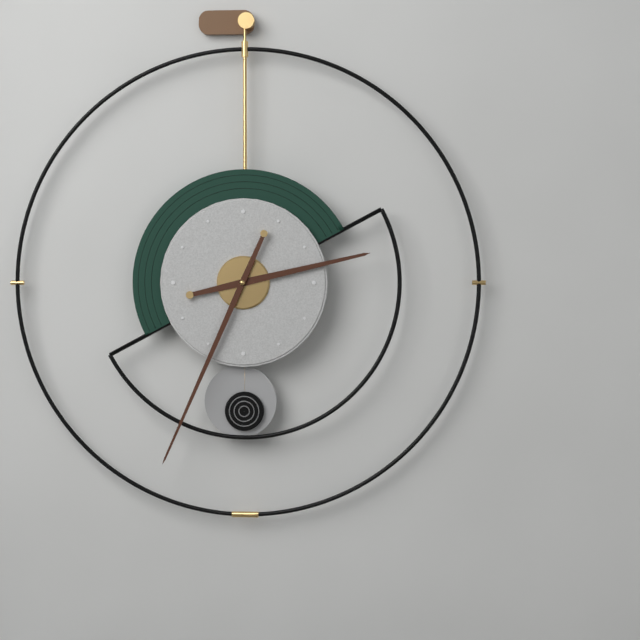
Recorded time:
2,34
